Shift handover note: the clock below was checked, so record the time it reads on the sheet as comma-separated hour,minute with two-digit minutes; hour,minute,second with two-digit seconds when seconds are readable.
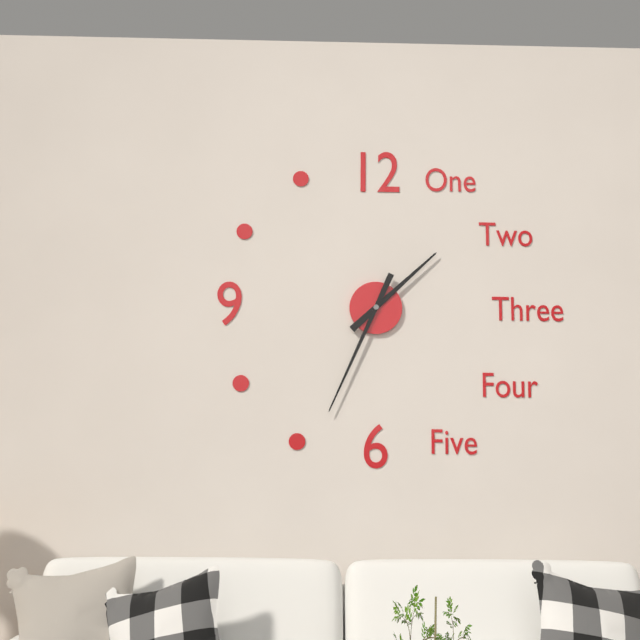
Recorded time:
1,34
